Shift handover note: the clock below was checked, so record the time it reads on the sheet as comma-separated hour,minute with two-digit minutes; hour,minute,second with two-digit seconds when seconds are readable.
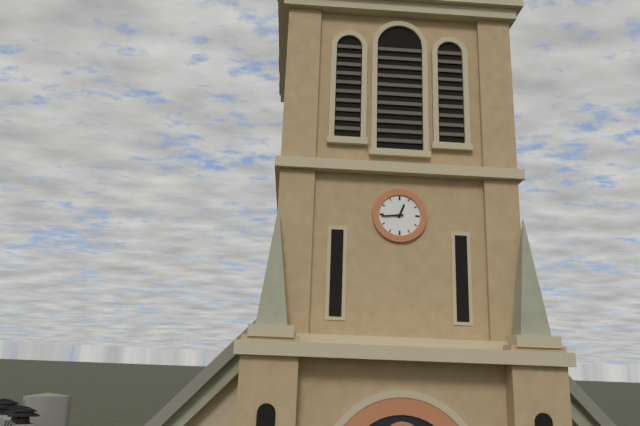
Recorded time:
12,44
